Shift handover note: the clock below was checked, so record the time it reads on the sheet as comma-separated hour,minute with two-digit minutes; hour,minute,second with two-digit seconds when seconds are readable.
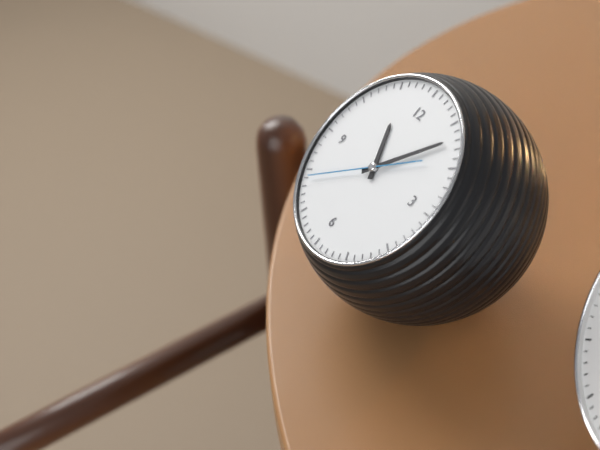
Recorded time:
11,07,39
